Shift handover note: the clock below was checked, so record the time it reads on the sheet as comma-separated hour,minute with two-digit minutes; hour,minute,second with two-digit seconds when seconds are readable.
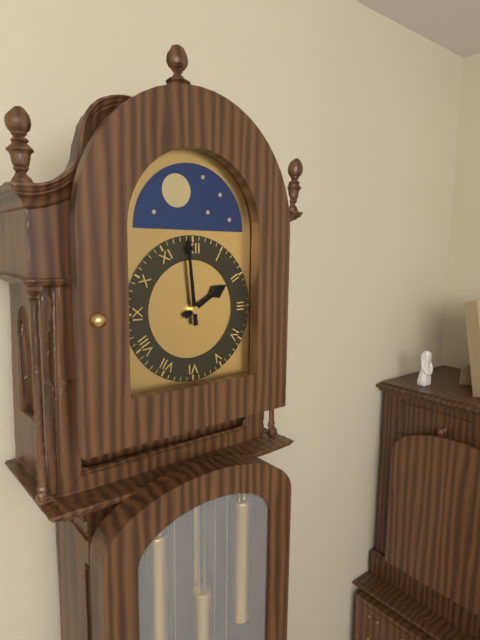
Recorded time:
1,59
